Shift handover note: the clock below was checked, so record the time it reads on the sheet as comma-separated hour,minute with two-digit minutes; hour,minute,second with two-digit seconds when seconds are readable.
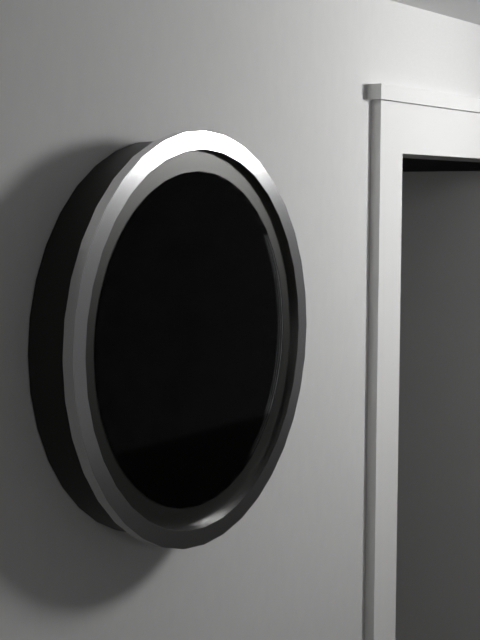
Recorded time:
10,59
